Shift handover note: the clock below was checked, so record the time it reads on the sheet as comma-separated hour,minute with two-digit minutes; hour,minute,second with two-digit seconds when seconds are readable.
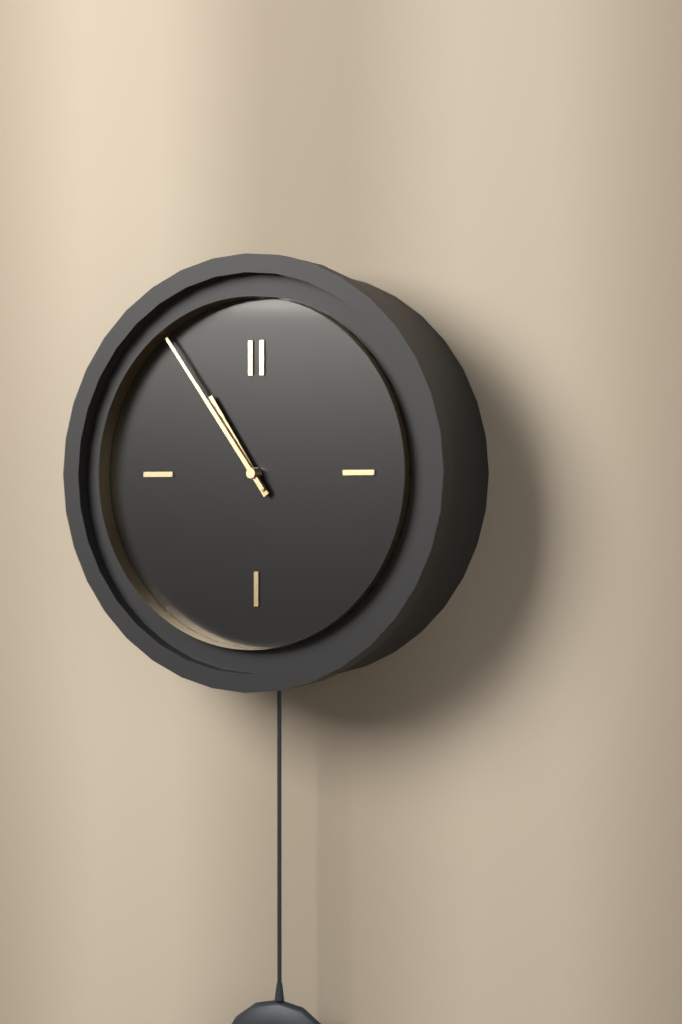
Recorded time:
10,54
